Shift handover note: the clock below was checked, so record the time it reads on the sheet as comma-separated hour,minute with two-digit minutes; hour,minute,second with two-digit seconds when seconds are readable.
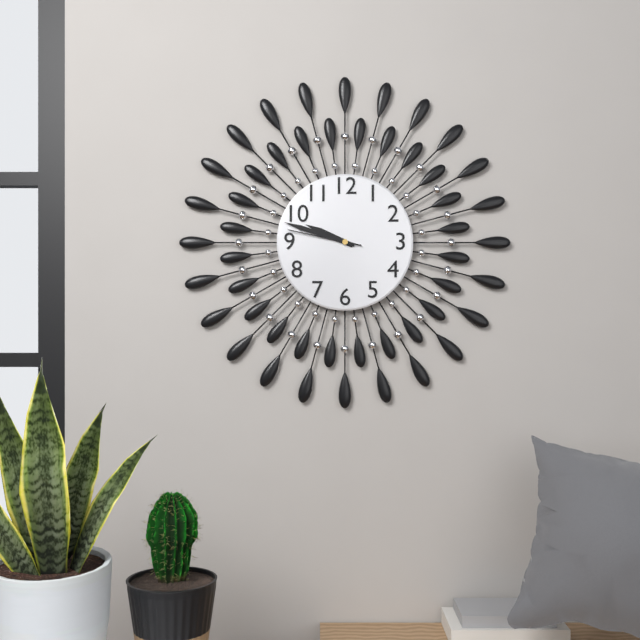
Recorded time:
9,48,47
